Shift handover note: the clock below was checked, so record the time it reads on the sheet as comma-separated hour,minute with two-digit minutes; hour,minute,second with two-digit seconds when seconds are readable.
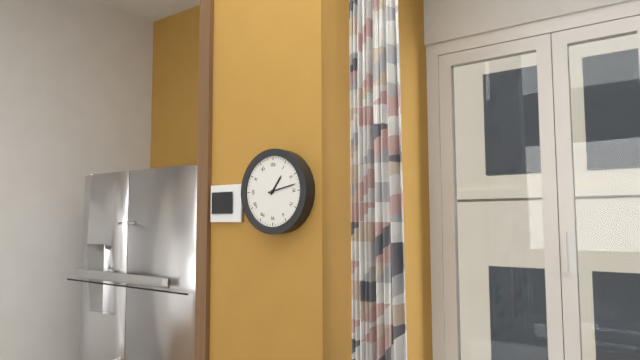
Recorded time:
1,13
